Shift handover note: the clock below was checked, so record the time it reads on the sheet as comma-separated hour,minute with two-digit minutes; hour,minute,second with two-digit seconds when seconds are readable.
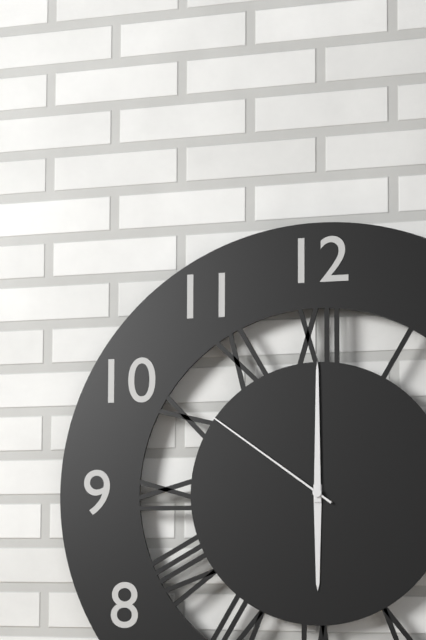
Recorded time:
6,00,51
